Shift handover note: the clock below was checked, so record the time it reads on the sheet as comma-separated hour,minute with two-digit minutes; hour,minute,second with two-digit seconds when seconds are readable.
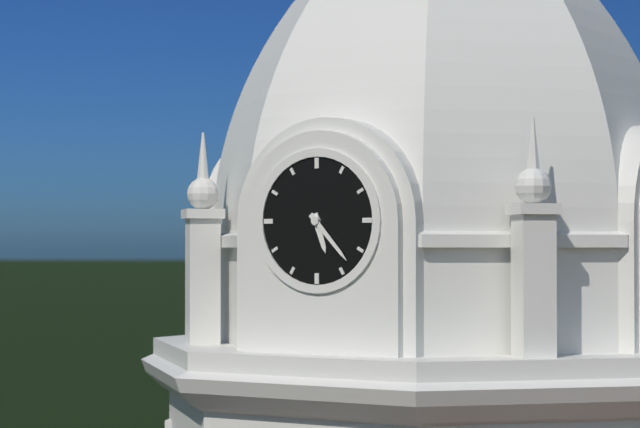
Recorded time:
5,23
